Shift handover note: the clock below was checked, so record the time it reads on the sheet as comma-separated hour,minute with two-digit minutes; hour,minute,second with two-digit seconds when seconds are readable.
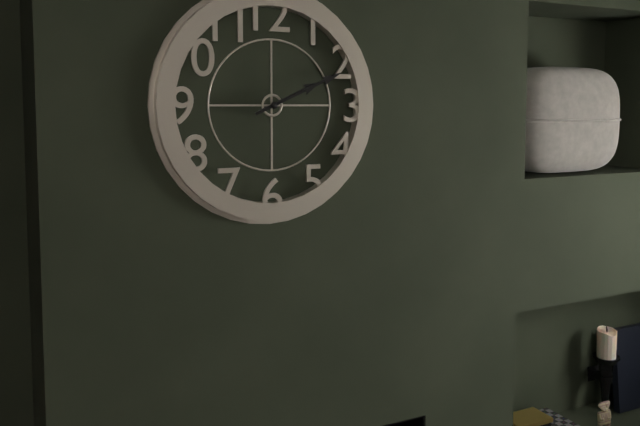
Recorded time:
2,11
